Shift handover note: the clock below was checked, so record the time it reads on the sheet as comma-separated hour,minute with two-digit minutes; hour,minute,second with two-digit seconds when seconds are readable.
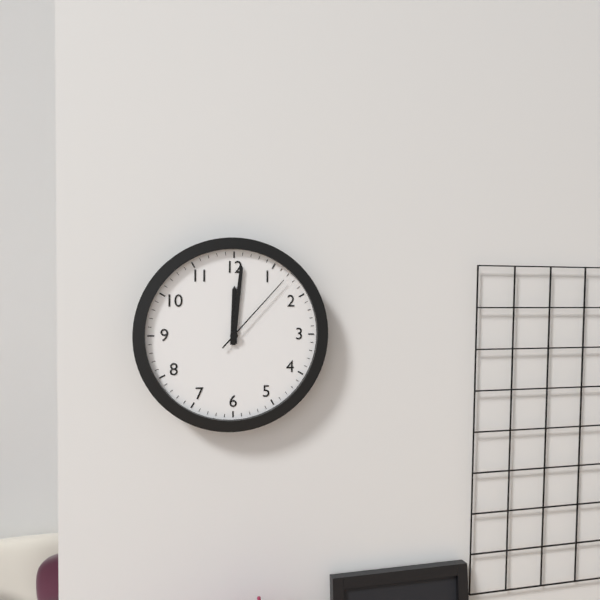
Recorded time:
12,01,07
